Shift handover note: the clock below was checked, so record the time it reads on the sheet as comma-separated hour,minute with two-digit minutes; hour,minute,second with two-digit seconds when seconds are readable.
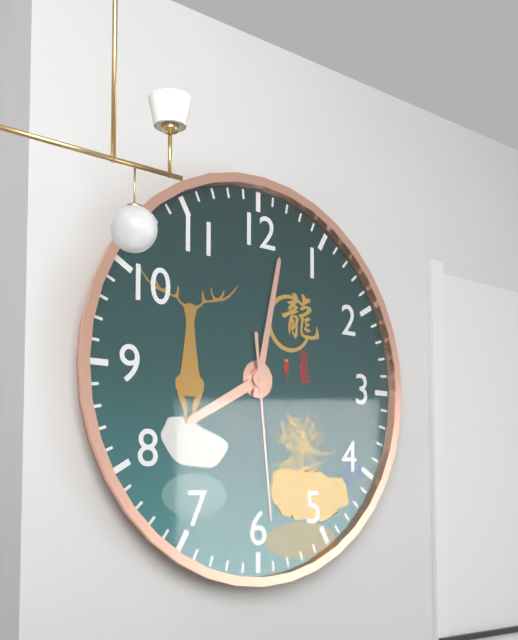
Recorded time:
8,02,29
